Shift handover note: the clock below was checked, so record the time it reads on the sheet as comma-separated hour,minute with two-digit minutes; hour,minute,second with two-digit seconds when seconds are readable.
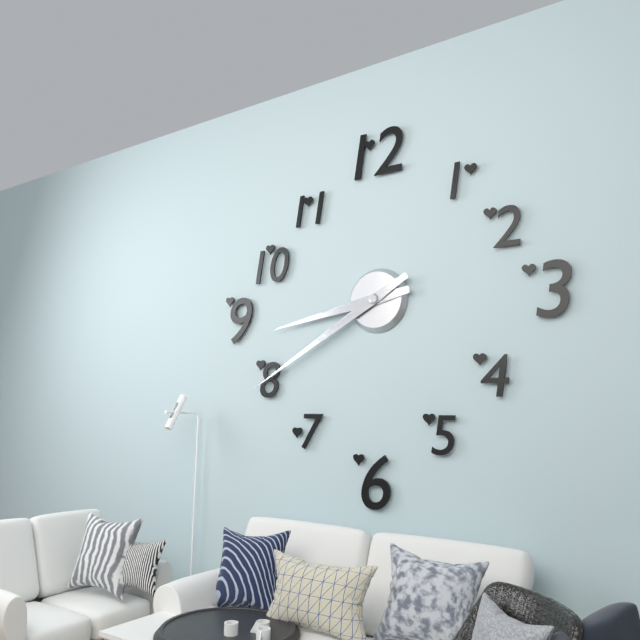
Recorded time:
8,40
